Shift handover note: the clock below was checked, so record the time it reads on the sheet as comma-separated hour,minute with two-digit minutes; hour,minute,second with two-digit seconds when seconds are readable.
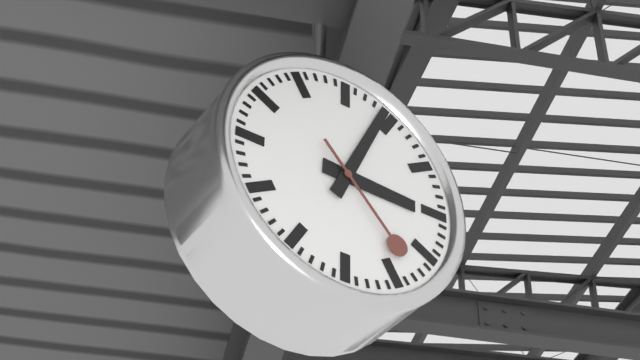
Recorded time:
3,04,23
